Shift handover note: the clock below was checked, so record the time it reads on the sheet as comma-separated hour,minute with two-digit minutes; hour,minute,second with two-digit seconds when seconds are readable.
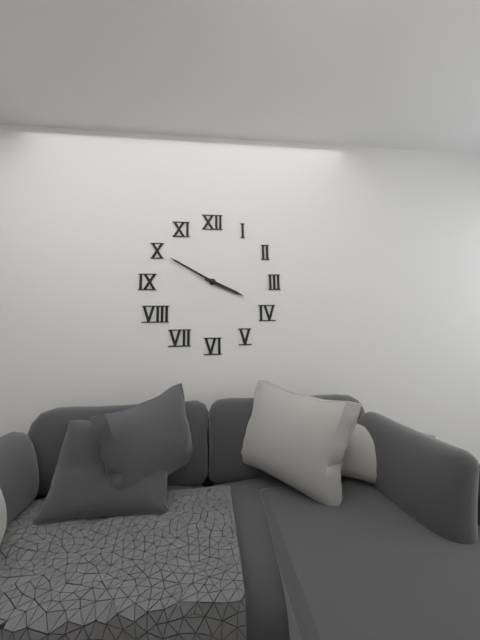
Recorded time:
3,50
